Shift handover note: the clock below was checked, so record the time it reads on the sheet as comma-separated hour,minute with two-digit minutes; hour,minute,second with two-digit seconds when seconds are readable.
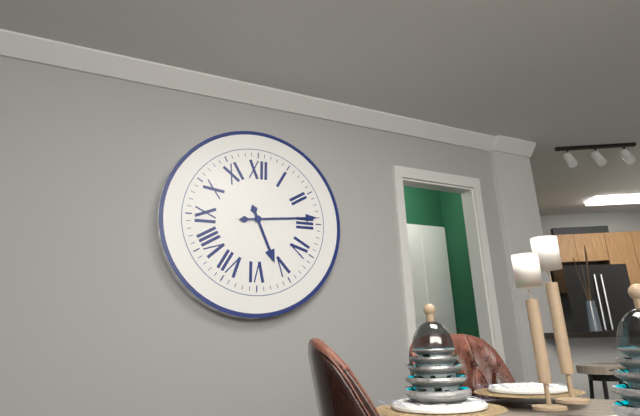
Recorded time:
5,14
